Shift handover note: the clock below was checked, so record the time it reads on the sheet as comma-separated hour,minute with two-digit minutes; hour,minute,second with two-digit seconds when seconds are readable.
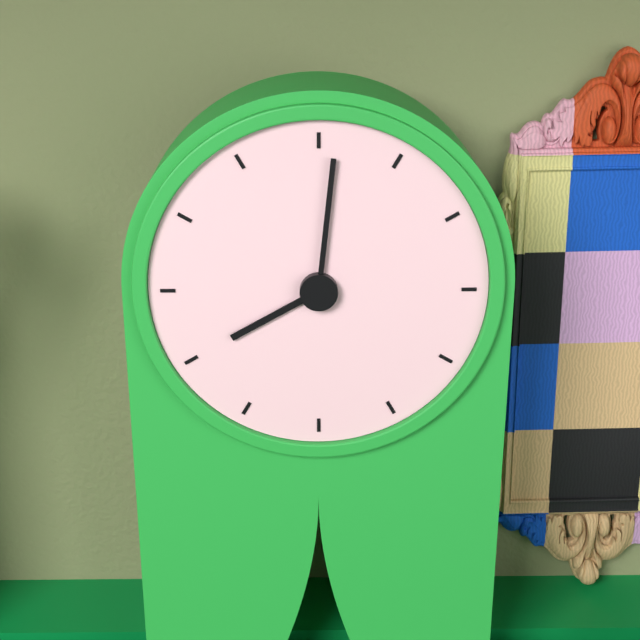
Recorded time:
8,01
